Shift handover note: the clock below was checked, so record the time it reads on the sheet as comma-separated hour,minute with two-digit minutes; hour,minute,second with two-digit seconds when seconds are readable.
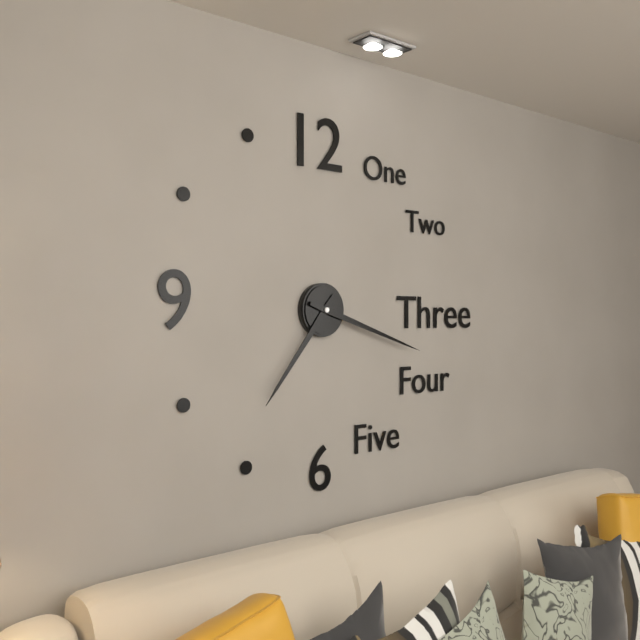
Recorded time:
7,18
